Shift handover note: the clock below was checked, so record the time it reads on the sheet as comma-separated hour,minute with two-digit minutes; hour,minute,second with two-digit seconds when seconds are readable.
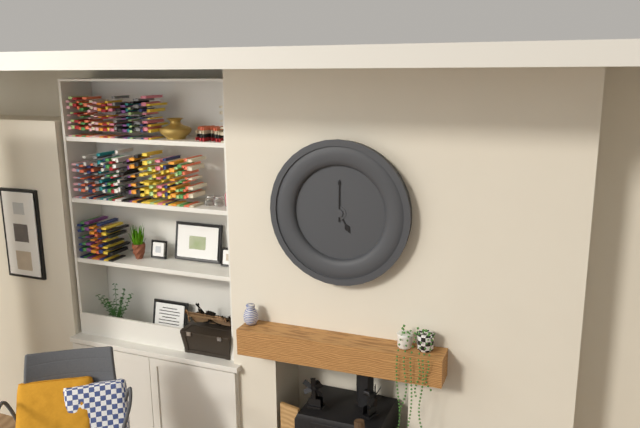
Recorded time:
5,00
